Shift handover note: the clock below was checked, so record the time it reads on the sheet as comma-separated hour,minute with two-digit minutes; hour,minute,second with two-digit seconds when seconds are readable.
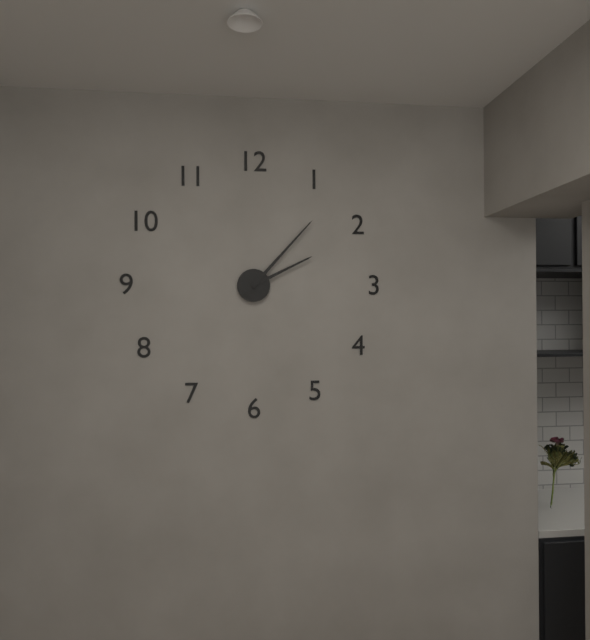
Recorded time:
2,07
